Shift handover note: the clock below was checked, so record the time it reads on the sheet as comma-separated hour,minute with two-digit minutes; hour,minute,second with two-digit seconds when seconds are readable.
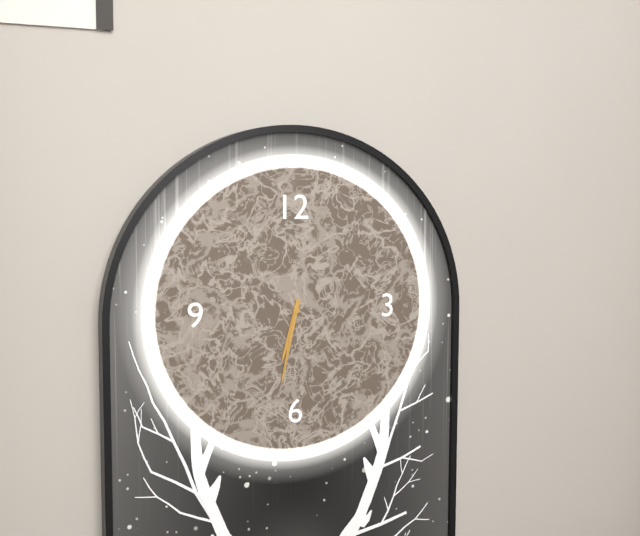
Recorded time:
6,32
